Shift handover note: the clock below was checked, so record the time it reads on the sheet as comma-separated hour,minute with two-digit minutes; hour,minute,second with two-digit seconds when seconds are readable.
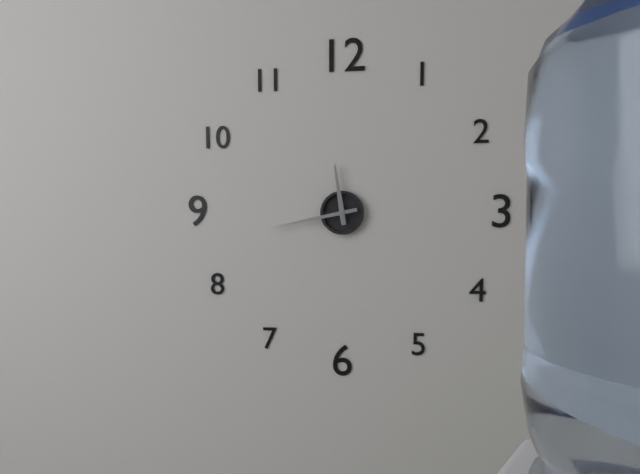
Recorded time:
11,43
